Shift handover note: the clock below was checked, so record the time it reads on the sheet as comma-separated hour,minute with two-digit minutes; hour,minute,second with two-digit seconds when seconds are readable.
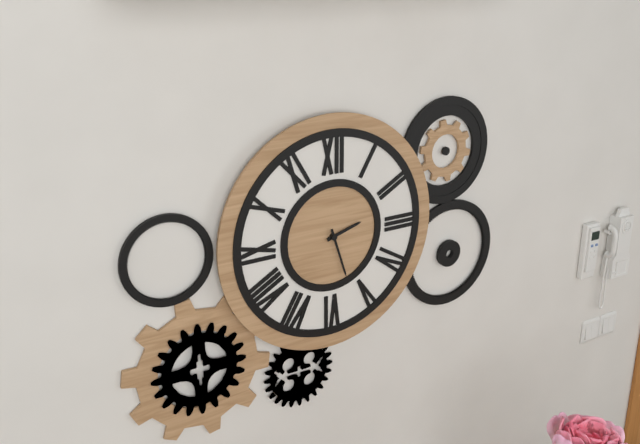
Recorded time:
2,27
